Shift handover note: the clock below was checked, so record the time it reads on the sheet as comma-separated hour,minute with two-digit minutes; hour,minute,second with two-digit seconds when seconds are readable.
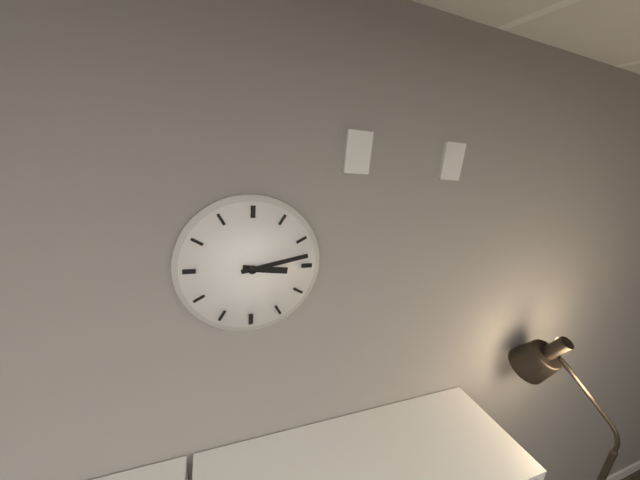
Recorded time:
3,13
